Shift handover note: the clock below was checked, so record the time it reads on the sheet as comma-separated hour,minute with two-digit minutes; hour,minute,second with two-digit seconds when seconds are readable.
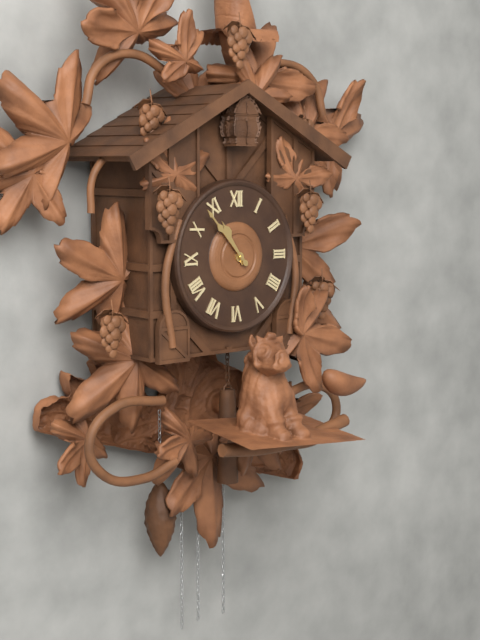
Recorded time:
10,53
